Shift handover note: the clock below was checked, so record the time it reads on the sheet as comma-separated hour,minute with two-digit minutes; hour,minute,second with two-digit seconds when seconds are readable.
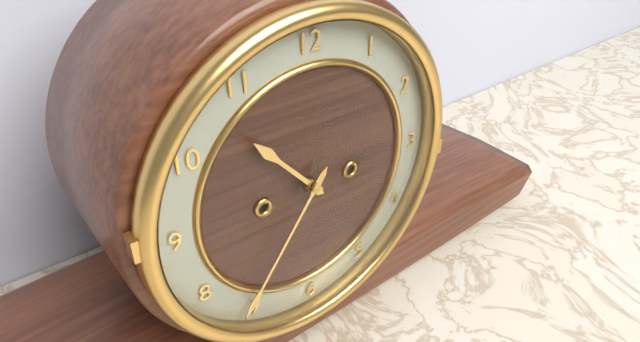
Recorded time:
10,36
